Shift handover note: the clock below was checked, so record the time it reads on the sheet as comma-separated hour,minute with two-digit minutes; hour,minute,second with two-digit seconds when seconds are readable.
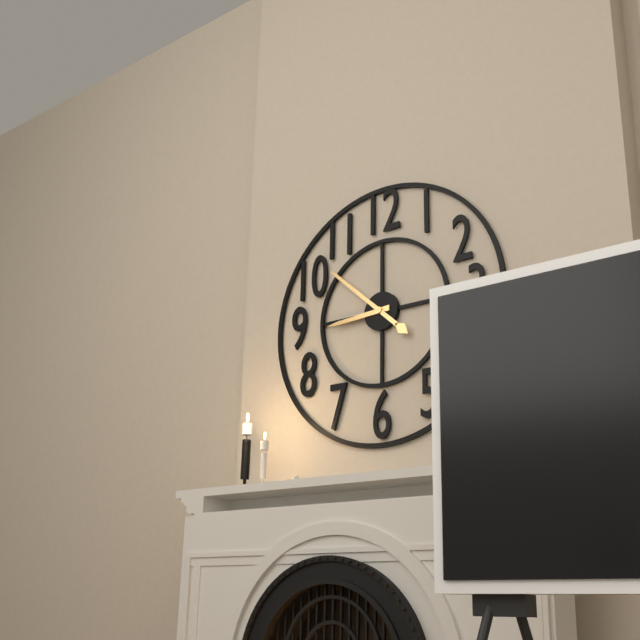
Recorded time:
8,52
